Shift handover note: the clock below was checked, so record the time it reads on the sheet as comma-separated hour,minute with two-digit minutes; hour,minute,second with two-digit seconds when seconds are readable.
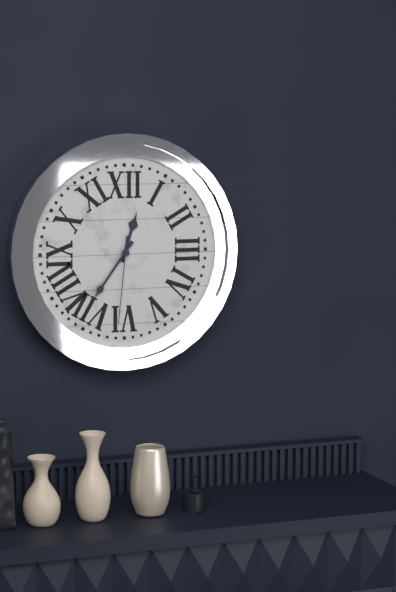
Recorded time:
12,36,31
